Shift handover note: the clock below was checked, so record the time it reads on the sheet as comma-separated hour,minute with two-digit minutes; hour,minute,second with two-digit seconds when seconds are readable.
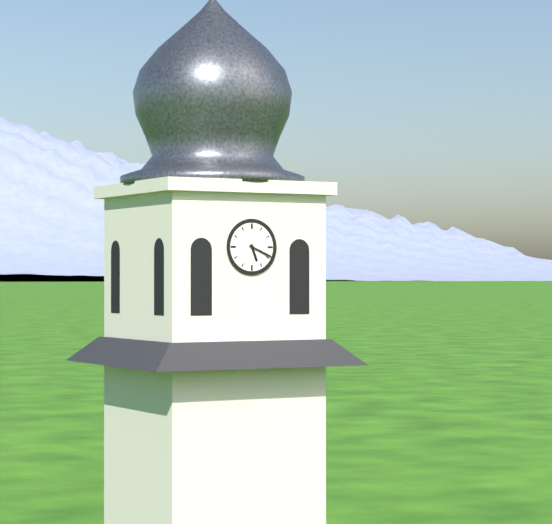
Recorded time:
5,19
